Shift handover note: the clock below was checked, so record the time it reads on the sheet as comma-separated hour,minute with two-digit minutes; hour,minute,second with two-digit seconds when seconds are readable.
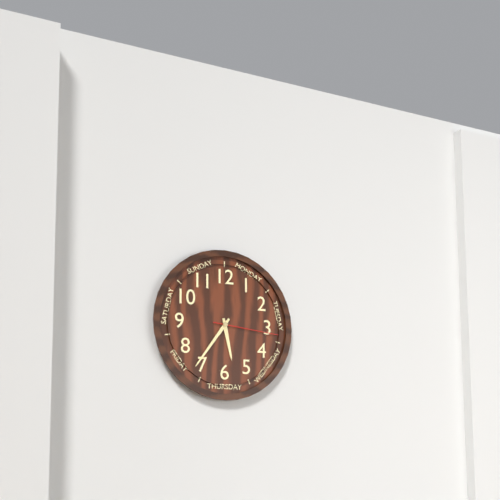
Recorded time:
5,36,16
